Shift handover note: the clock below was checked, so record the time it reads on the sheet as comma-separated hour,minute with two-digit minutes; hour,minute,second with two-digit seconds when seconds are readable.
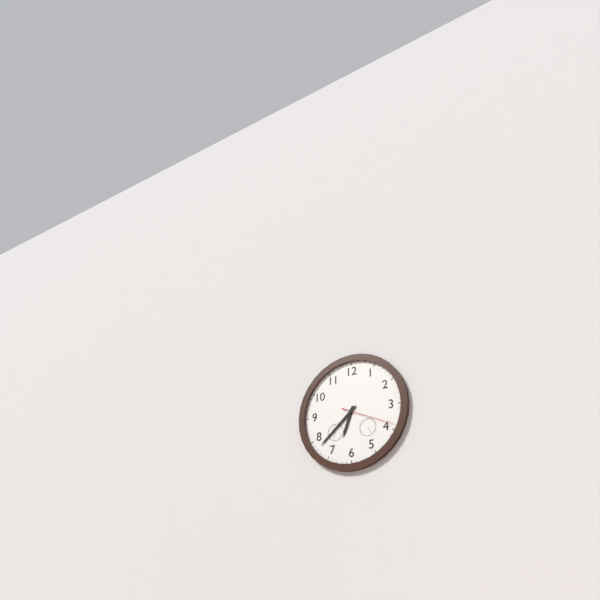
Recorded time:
6,38,19
